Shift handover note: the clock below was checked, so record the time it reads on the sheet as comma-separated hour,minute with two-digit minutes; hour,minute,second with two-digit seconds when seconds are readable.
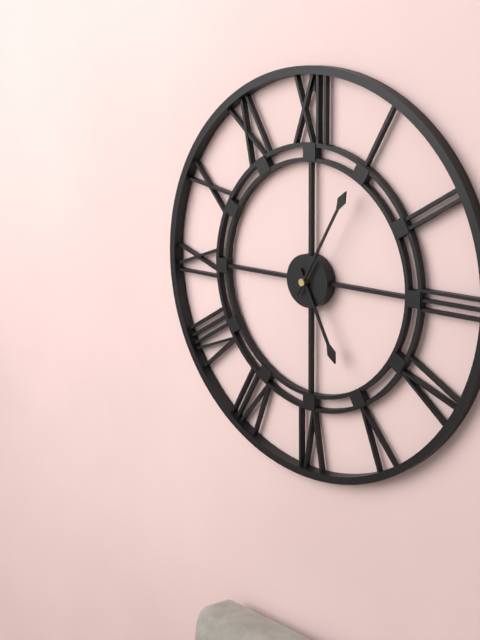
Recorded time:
5,05
